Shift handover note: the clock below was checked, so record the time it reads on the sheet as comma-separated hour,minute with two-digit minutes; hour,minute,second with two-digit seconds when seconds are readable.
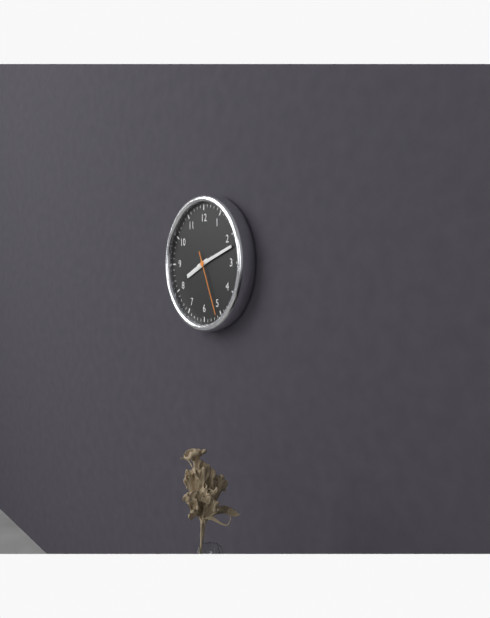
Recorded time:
8,12,26
